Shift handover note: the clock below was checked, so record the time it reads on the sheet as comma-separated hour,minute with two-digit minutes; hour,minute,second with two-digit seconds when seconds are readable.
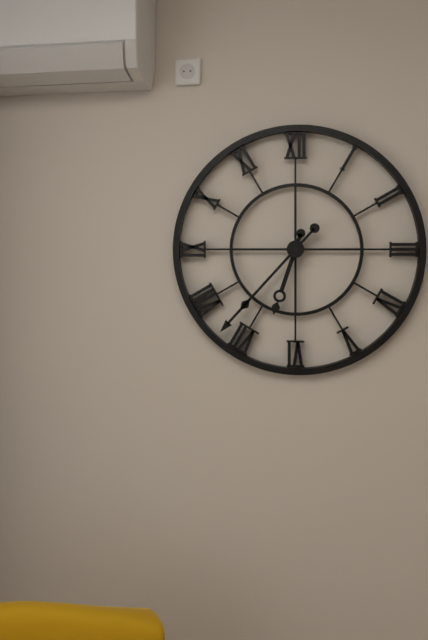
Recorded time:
6,37
